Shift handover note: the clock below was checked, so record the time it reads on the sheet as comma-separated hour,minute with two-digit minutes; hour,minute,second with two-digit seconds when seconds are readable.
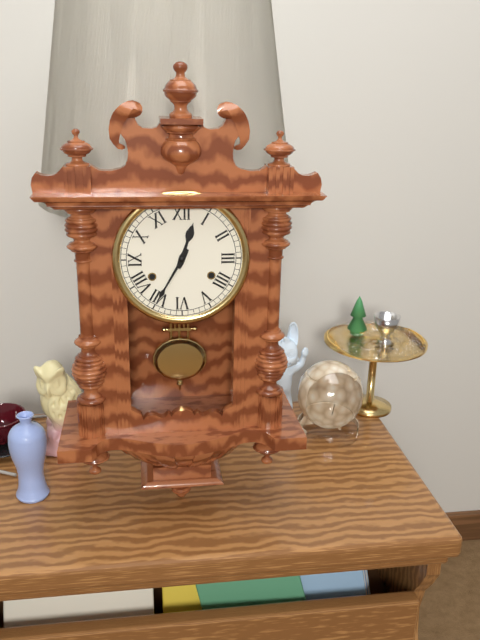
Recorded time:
12,35
